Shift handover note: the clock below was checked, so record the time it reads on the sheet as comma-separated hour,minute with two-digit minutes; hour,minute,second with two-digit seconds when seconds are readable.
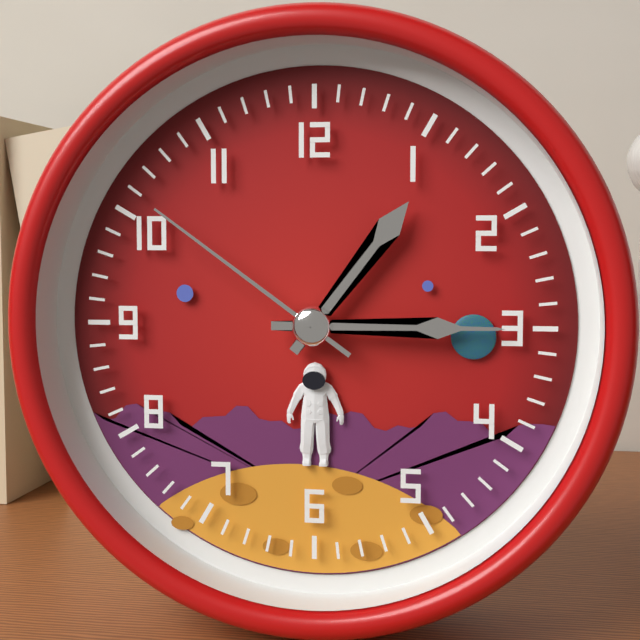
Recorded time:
1,15,51
